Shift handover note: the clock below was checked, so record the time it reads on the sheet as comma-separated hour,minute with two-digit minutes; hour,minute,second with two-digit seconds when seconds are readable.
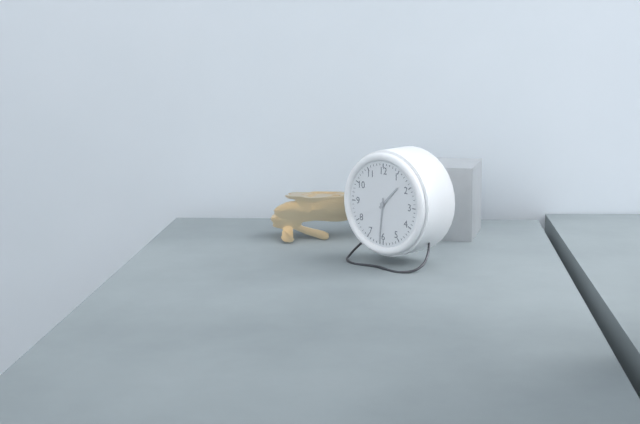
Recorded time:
1,31
